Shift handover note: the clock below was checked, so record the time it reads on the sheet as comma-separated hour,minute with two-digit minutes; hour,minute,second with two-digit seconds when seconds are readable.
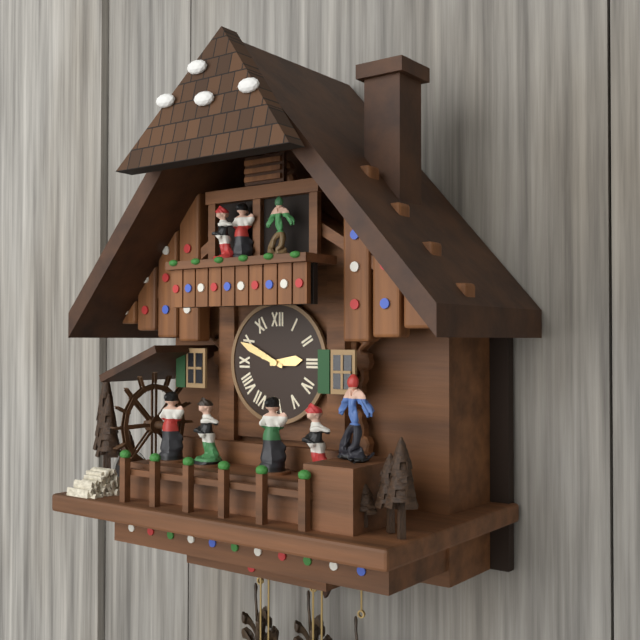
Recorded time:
2,49
